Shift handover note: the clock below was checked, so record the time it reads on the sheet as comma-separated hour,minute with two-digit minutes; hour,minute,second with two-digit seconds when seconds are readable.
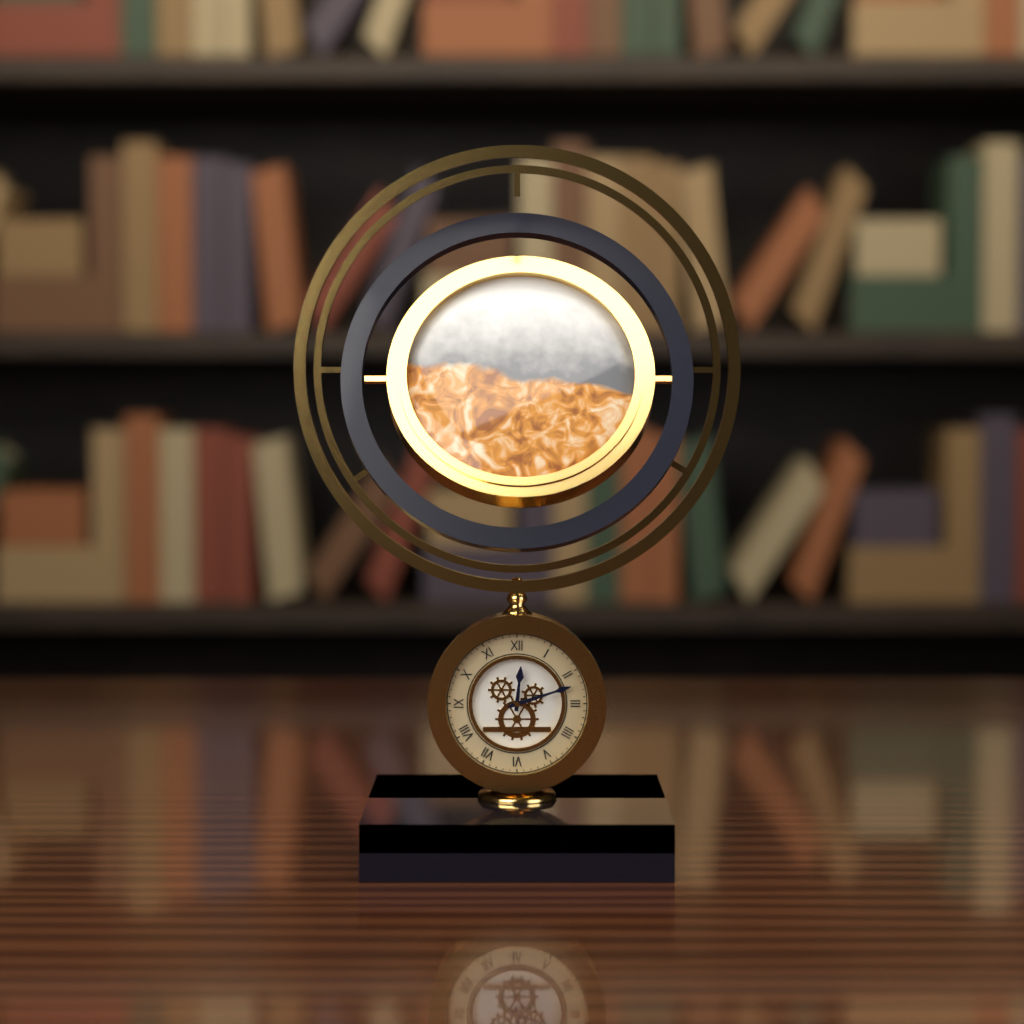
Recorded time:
12,12
